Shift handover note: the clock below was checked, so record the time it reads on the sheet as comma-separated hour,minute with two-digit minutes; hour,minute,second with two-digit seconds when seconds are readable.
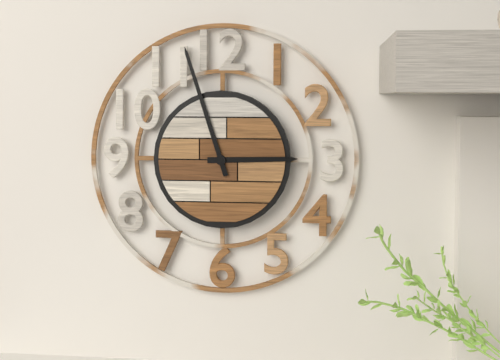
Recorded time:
2,57
